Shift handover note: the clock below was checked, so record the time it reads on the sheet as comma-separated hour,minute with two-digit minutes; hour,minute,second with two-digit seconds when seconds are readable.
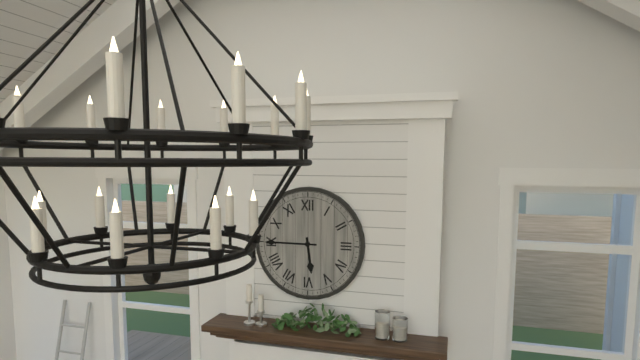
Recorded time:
5,45
